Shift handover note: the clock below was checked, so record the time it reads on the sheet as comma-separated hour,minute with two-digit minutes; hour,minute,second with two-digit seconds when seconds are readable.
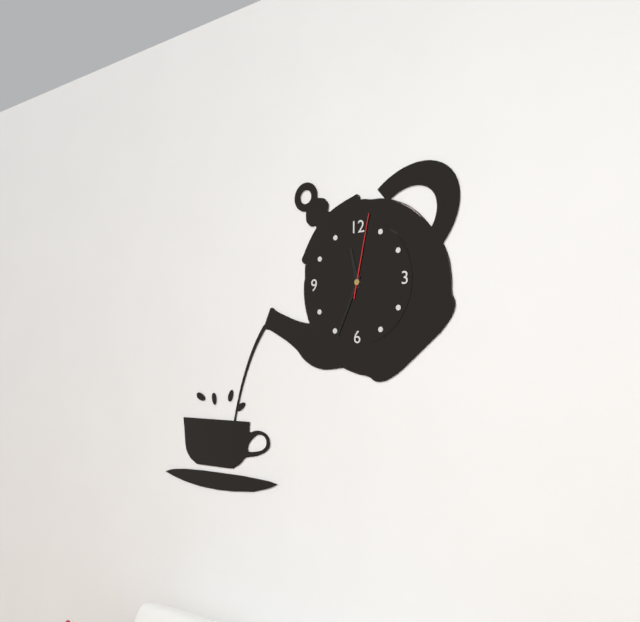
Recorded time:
11,34,02
